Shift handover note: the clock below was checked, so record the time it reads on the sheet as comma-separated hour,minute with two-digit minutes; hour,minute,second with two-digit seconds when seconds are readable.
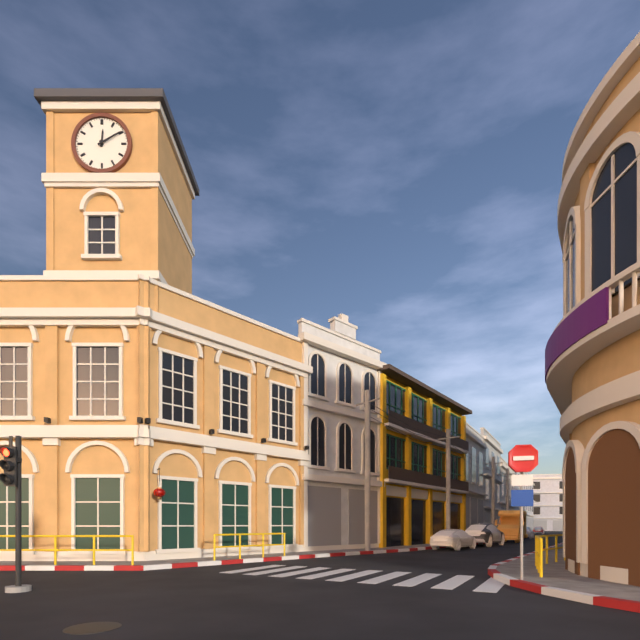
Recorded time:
12,10
